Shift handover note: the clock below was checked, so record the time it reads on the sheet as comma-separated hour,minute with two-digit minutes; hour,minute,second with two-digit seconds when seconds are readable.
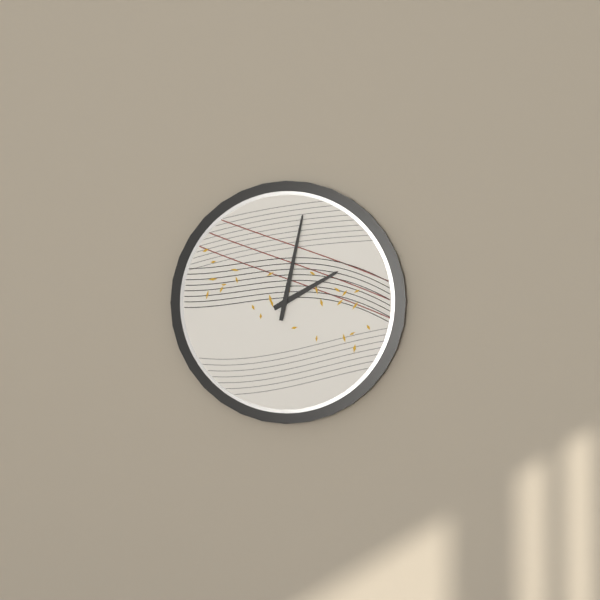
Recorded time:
2,02
